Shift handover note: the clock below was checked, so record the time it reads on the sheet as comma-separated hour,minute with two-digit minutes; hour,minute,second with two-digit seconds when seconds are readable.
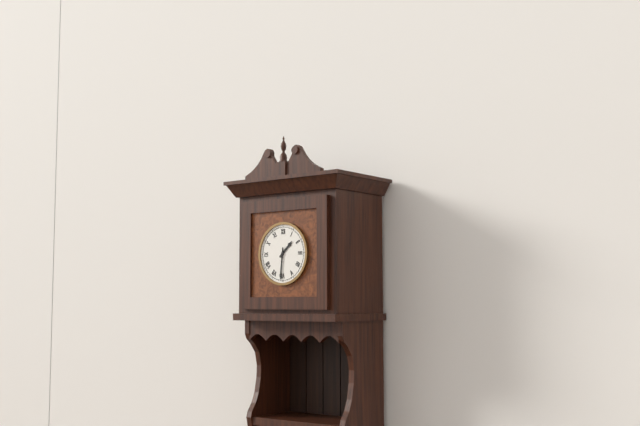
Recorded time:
1,31
